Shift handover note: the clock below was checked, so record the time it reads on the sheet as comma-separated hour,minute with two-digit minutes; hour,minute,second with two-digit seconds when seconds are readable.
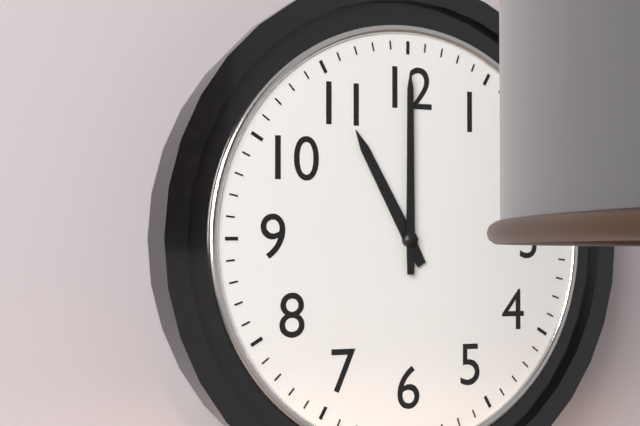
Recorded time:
11,00
